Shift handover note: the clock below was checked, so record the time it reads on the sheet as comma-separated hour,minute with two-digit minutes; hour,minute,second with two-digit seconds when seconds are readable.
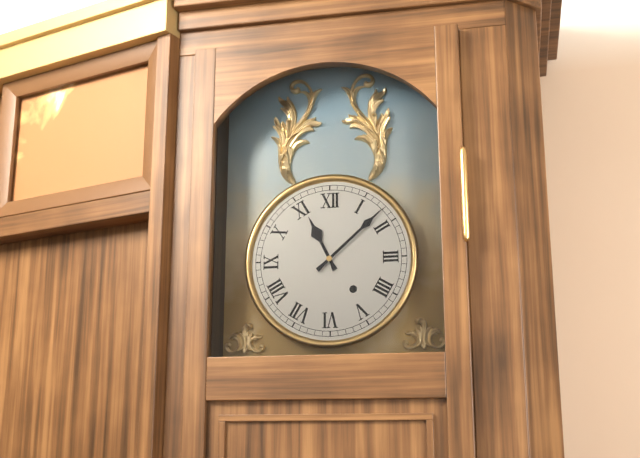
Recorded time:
11,08
